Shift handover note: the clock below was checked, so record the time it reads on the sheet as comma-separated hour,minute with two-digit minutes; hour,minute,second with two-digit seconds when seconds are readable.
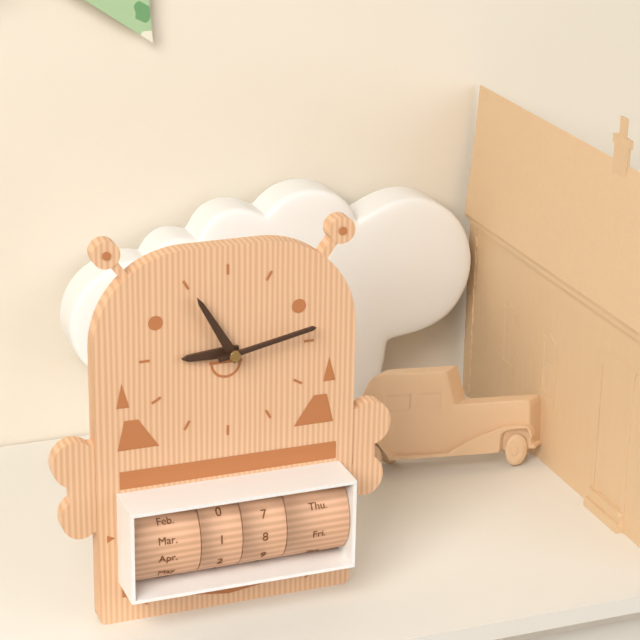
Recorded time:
8,55,13
